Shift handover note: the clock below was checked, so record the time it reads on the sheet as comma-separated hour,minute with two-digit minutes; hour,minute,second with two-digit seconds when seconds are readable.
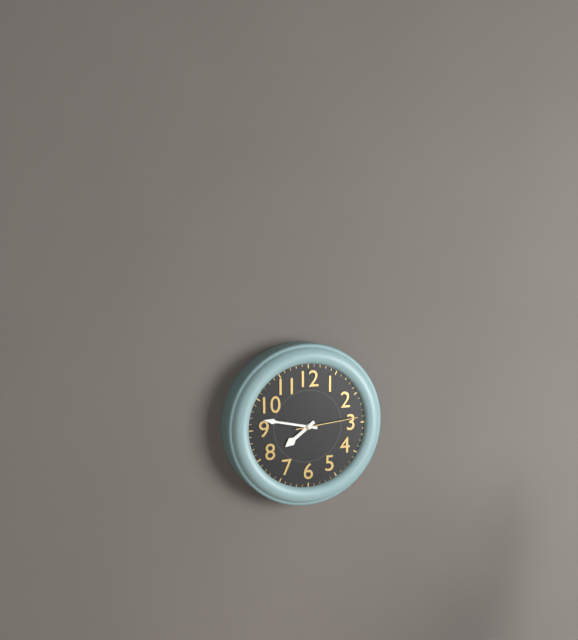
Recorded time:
7,47,14
